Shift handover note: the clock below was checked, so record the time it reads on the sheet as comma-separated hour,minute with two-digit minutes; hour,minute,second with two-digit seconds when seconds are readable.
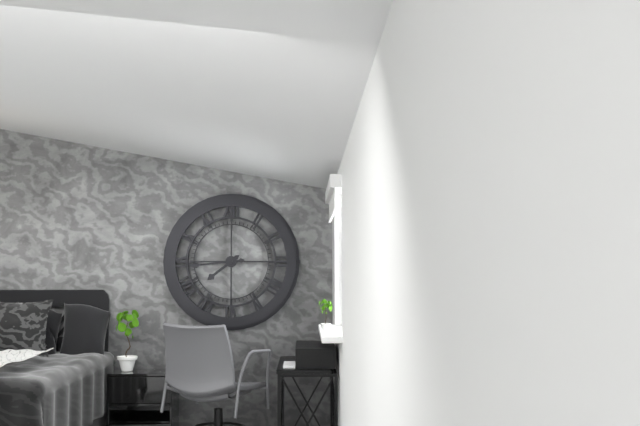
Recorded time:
7,44
